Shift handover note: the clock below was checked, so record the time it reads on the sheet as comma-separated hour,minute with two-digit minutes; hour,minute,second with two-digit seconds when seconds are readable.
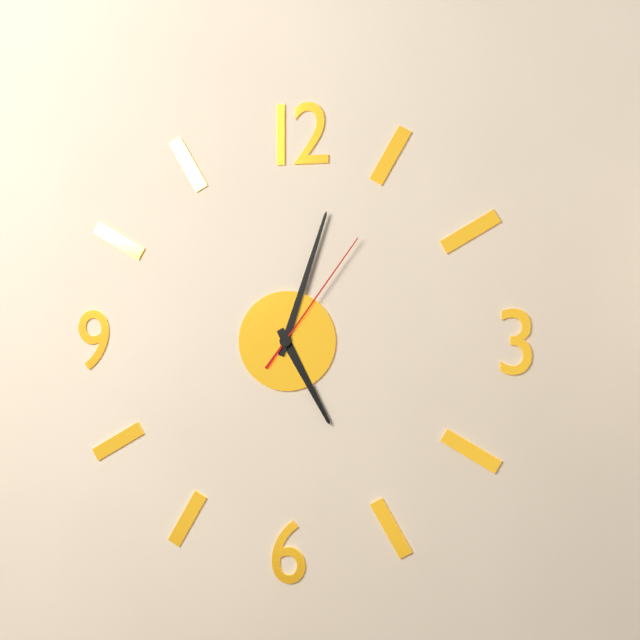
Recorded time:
5,03,06
